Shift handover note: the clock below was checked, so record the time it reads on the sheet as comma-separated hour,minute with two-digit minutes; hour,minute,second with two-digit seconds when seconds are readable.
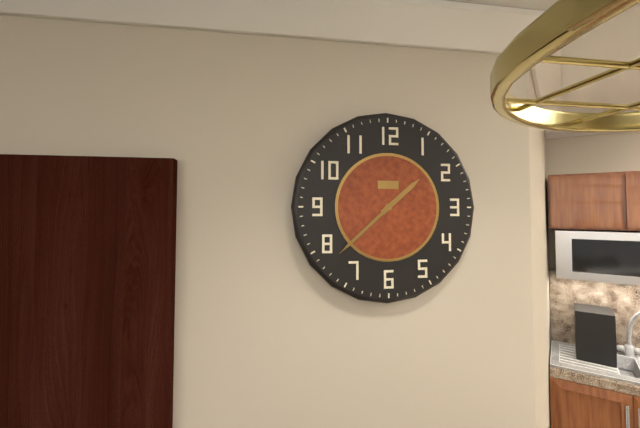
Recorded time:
1,38
